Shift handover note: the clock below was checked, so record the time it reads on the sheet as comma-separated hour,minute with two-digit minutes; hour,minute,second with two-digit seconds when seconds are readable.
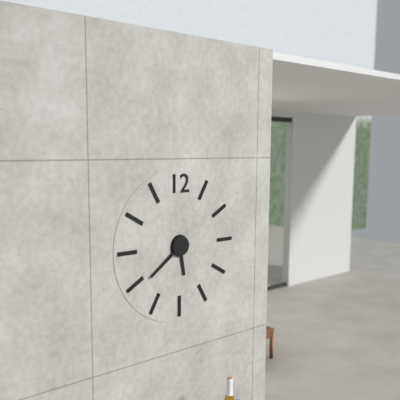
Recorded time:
5,39
